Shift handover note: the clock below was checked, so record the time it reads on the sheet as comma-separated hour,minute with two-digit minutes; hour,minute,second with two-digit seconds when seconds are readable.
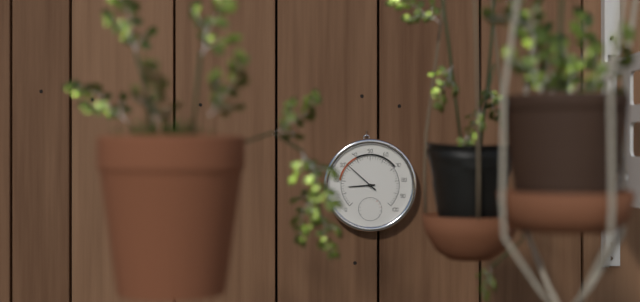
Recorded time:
8,52
